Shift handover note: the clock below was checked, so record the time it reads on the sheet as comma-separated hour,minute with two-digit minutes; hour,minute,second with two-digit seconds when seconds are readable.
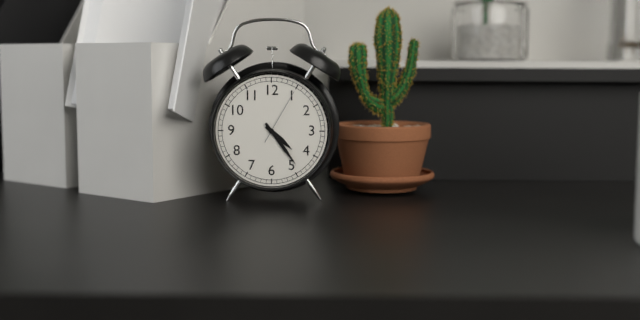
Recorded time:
4,24,05
